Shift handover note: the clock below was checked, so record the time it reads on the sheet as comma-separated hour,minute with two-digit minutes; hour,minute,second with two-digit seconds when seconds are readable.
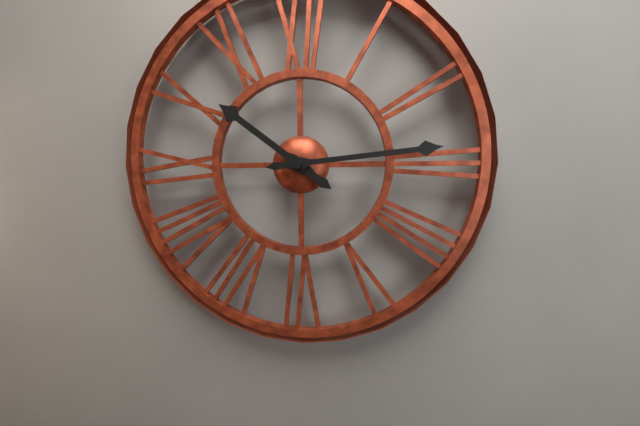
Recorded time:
10,14
